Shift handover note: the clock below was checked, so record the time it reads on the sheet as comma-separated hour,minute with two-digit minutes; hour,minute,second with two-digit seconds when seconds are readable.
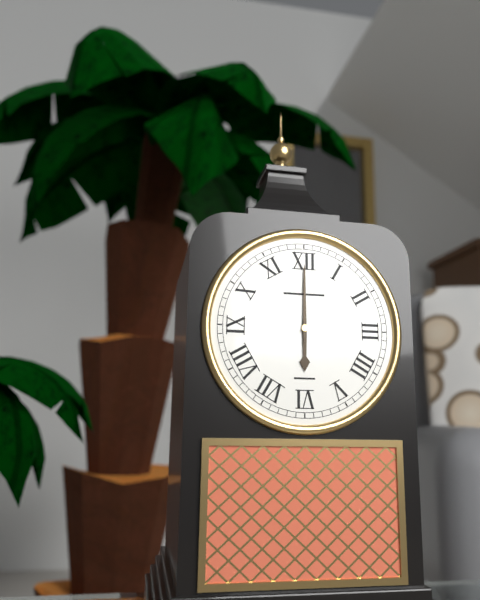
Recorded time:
6,00
